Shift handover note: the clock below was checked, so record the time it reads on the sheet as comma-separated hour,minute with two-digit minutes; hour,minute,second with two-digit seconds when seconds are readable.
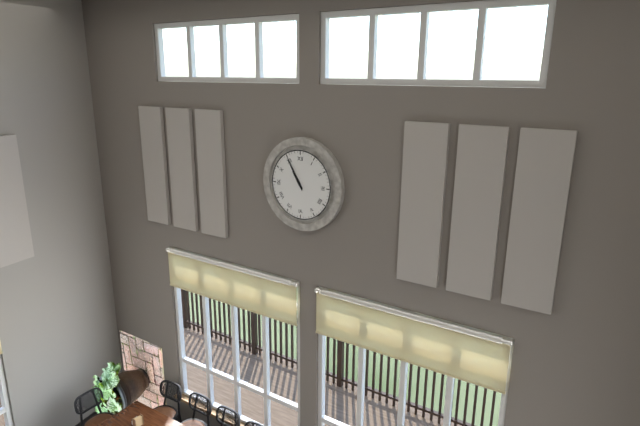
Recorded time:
10,55
